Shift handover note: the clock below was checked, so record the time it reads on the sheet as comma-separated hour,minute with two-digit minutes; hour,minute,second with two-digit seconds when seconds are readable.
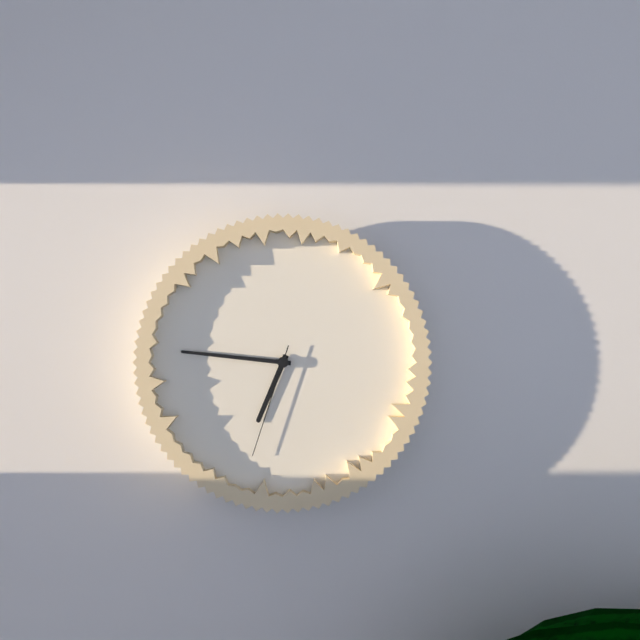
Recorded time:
6,46,33
